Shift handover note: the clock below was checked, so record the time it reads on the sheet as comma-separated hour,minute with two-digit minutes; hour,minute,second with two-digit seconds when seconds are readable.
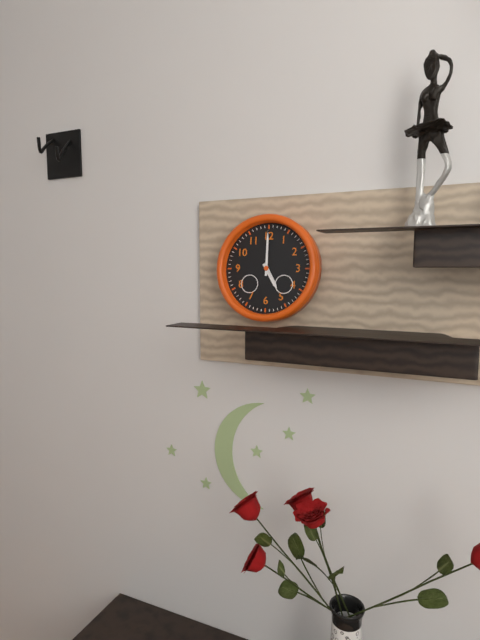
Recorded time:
5,00
